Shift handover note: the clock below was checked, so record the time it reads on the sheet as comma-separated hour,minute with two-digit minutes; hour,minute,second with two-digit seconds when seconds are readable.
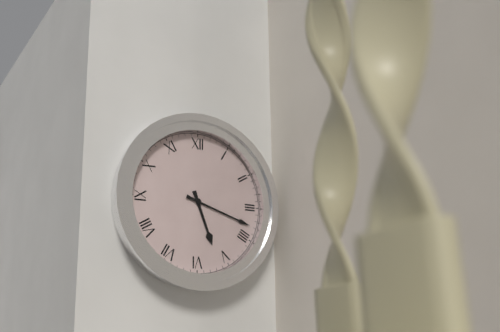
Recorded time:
5,18
